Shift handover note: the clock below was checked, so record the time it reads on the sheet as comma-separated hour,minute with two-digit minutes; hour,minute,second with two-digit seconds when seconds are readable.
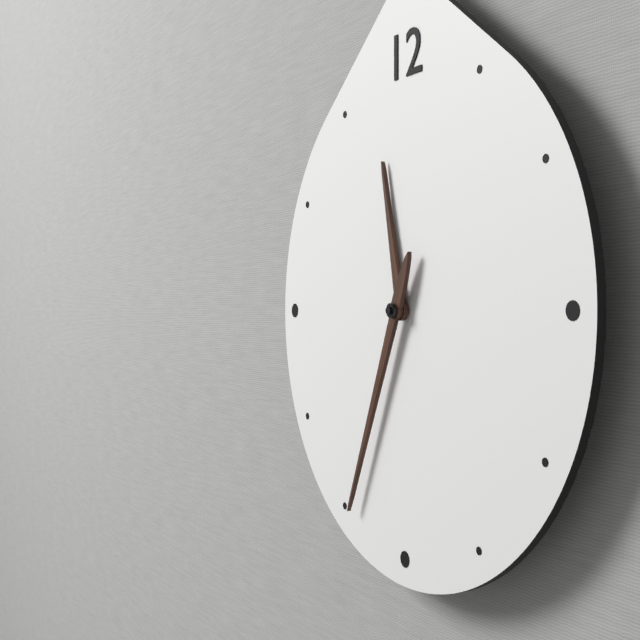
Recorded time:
11,34
